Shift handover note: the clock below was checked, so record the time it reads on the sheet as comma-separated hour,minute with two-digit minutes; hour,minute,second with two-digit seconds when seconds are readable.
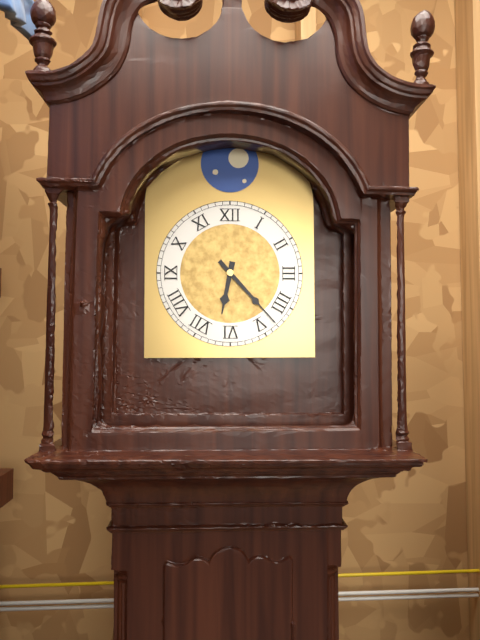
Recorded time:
6,23
